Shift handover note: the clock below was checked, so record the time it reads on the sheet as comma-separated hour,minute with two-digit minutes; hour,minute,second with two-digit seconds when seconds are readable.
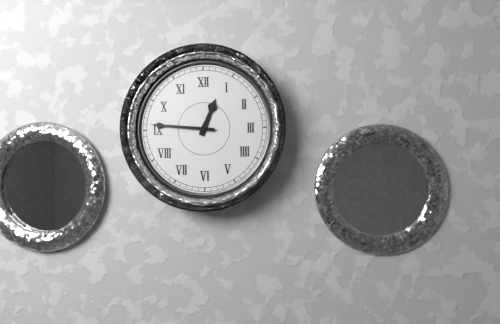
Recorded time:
12,46
